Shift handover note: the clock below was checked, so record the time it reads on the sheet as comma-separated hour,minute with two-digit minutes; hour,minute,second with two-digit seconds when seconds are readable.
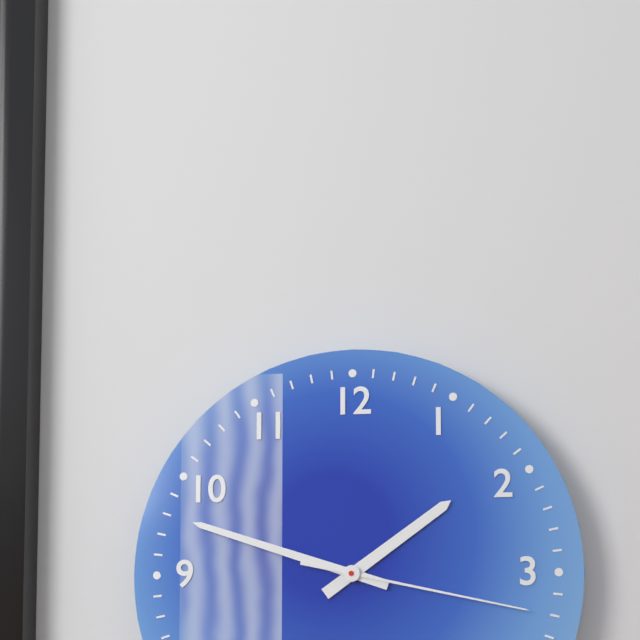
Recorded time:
1,48,17
